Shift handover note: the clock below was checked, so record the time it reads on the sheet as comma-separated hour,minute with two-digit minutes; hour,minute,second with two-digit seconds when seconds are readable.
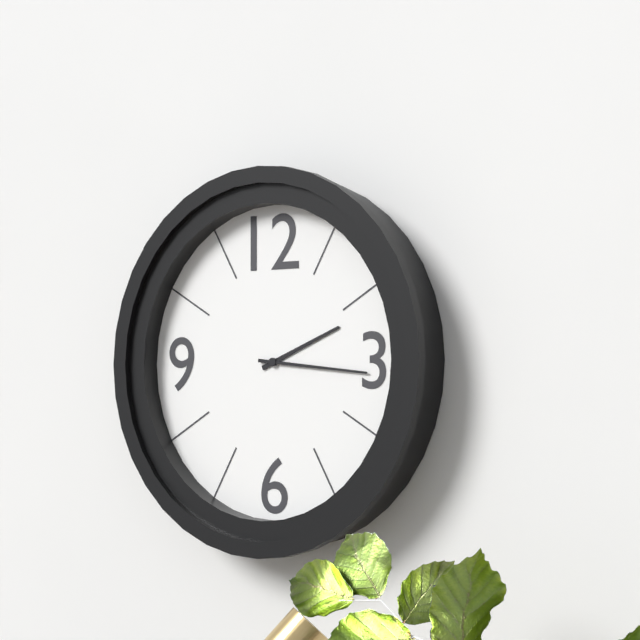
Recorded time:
2,16
